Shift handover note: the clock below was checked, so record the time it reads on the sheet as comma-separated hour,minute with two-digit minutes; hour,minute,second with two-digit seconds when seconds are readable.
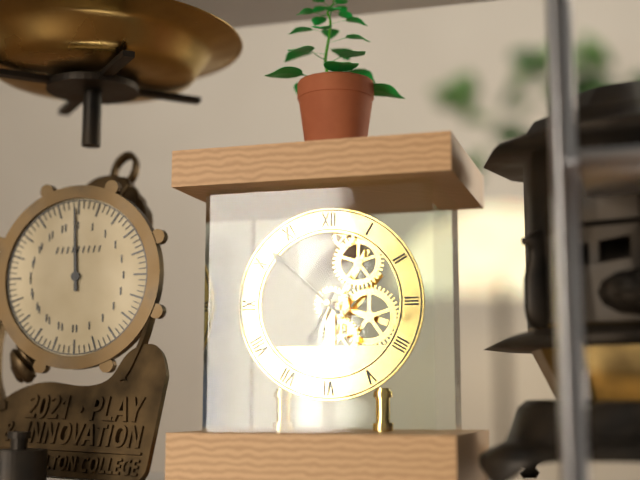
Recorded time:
6,52
